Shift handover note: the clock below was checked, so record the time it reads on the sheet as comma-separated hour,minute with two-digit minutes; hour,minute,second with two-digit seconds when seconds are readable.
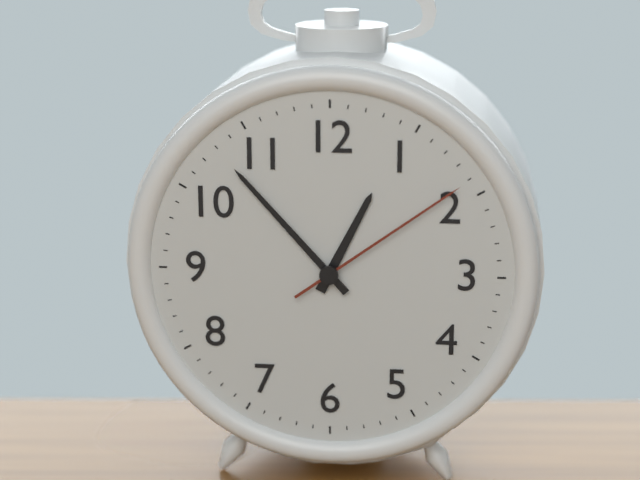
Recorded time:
12,53,09
